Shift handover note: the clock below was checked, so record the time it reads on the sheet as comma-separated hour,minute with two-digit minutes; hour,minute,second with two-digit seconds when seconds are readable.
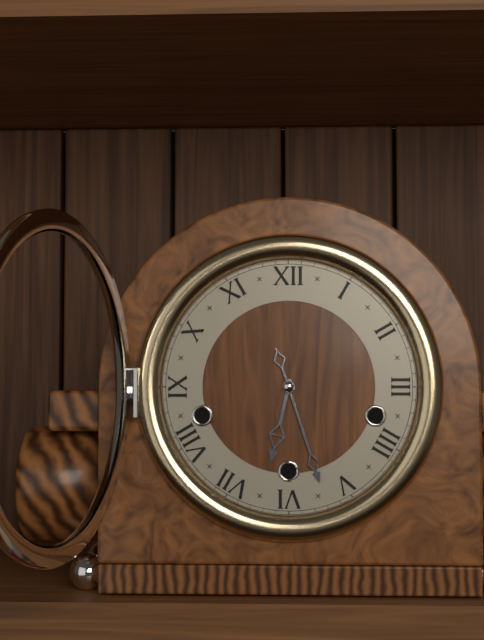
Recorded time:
6,27
